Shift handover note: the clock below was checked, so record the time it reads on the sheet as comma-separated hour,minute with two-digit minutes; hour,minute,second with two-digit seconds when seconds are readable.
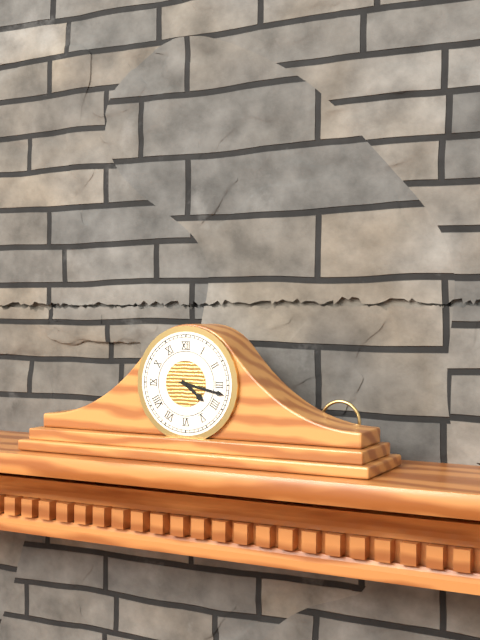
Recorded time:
4,17
